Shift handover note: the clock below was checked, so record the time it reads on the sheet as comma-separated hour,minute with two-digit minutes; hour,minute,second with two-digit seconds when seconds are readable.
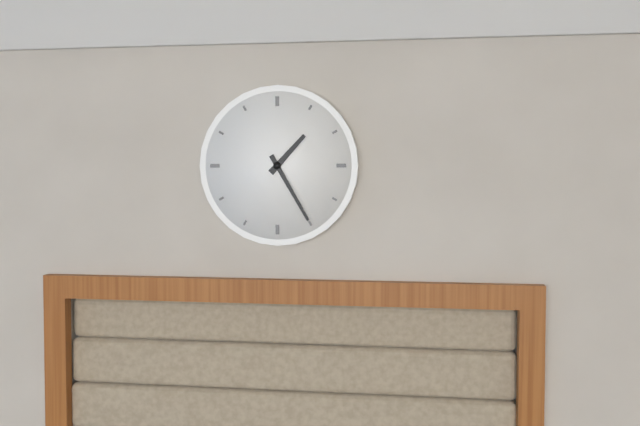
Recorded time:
1,25
